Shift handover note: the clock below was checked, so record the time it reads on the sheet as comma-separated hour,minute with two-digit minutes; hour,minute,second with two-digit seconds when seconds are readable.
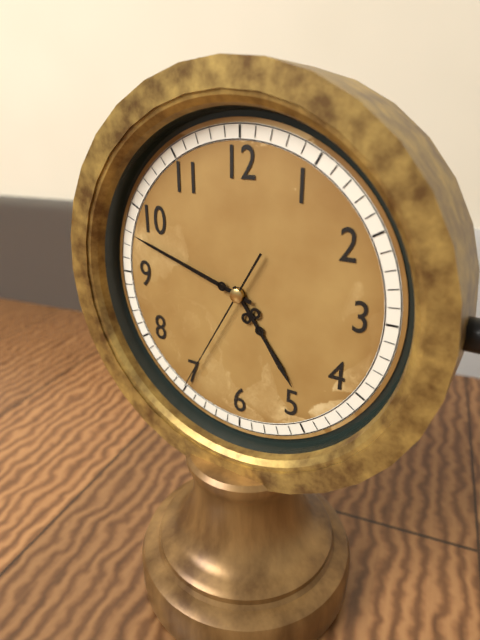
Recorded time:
4,48,35
